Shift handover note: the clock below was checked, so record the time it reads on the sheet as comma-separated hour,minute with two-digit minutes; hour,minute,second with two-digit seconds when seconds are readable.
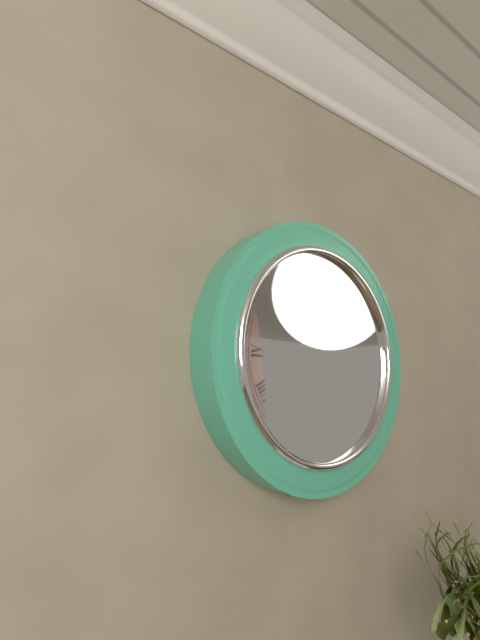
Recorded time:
3,55
